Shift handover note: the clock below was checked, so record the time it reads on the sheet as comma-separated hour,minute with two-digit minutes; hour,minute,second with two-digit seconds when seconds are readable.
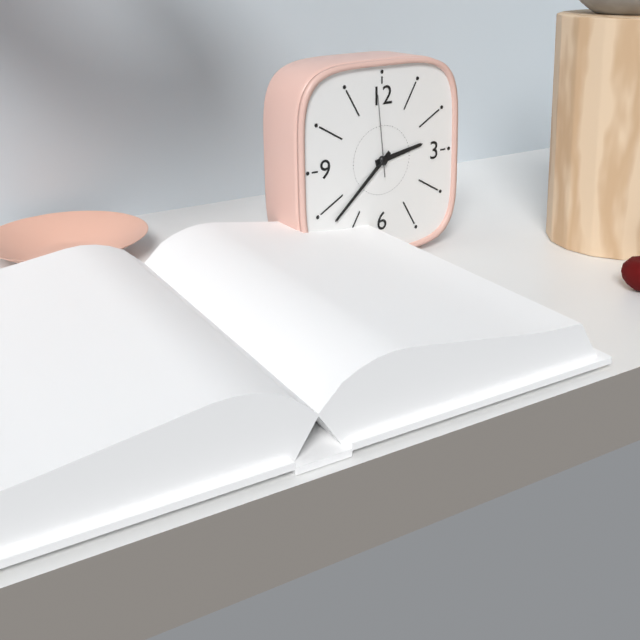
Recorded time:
2,38,59
